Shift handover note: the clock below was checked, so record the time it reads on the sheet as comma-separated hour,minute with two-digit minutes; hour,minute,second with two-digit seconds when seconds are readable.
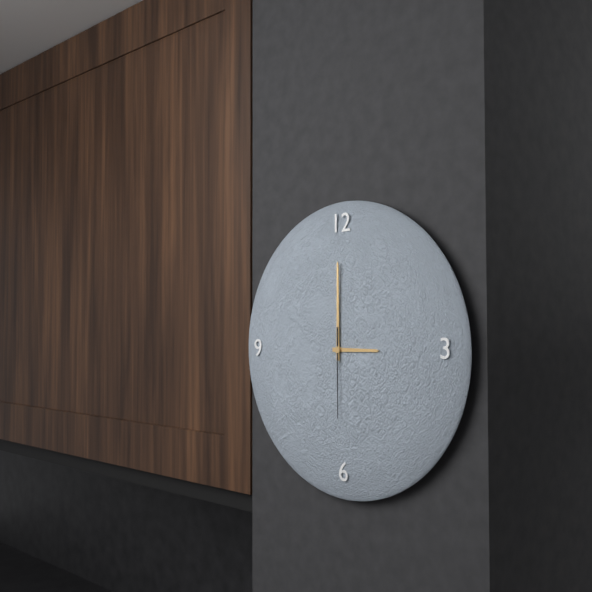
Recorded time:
3,00,30
